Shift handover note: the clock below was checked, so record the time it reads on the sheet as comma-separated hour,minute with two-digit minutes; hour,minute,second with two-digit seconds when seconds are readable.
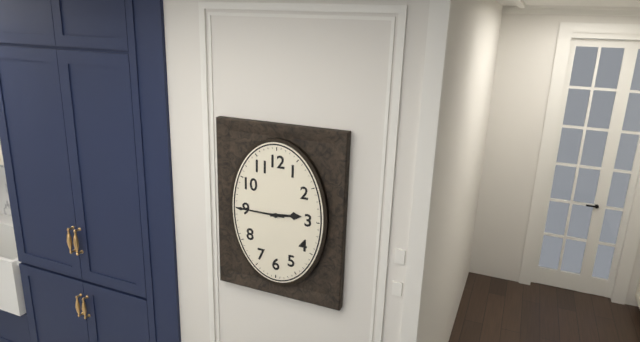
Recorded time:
2,45
